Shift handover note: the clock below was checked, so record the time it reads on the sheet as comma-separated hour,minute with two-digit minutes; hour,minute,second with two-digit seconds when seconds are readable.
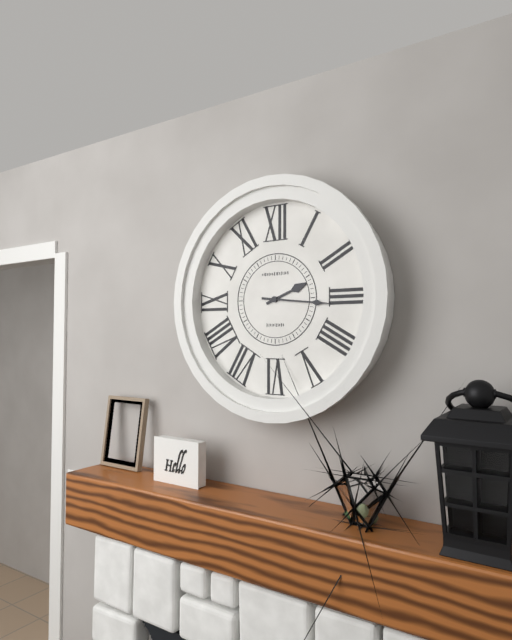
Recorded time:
2,16
